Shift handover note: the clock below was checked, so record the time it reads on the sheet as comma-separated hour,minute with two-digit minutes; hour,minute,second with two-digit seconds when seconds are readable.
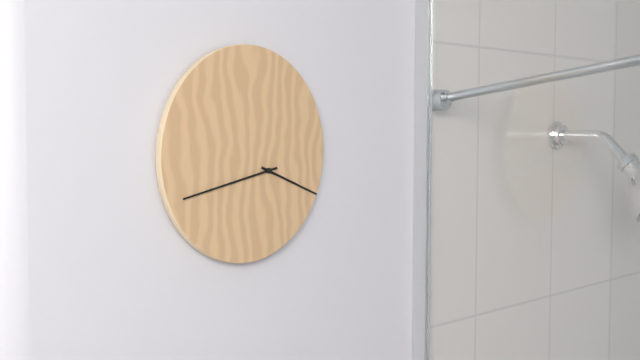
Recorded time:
3,43
